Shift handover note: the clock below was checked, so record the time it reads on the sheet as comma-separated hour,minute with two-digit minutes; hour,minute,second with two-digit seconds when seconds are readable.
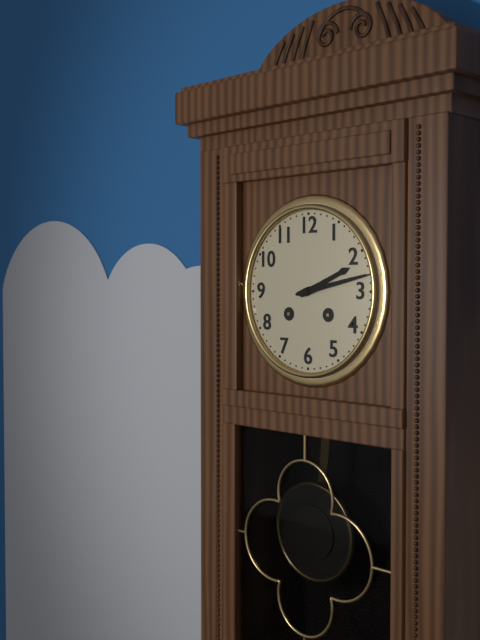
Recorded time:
2,13
